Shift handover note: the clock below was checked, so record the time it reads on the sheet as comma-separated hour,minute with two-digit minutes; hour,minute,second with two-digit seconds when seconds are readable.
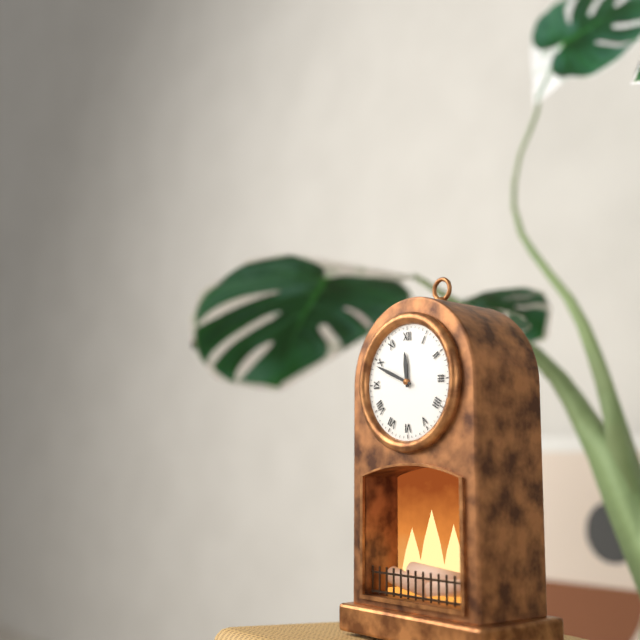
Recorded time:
11,49
